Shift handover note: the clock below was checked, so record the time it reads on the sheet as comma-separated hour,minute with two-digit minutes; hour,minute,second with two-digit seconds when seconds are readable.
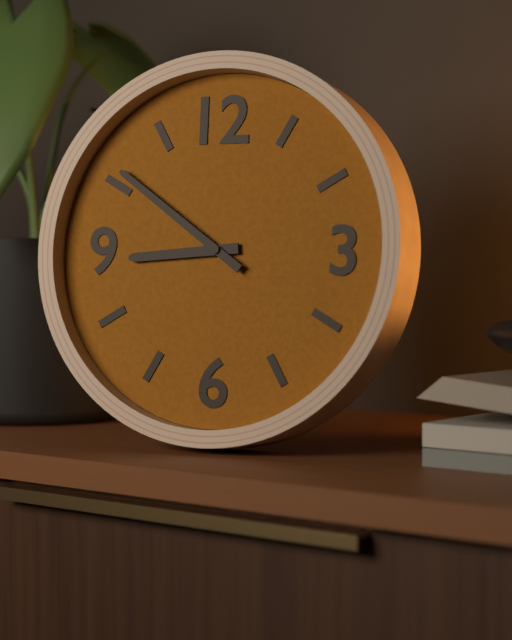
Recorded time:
8,51
